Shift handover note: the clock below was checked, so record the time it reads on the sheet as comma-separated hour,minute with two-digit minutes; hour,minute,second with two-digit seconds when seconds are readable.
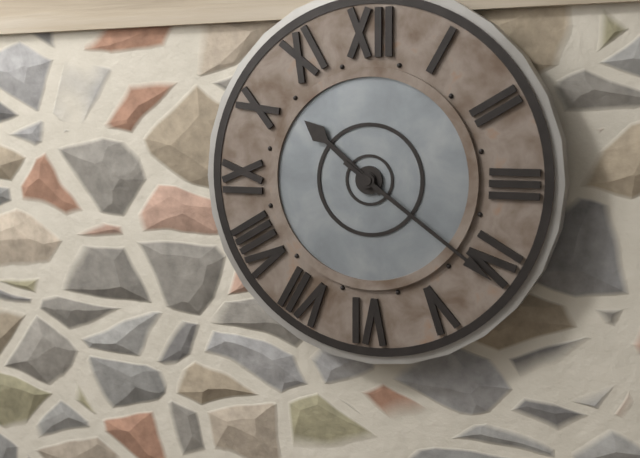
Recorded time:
10,21
